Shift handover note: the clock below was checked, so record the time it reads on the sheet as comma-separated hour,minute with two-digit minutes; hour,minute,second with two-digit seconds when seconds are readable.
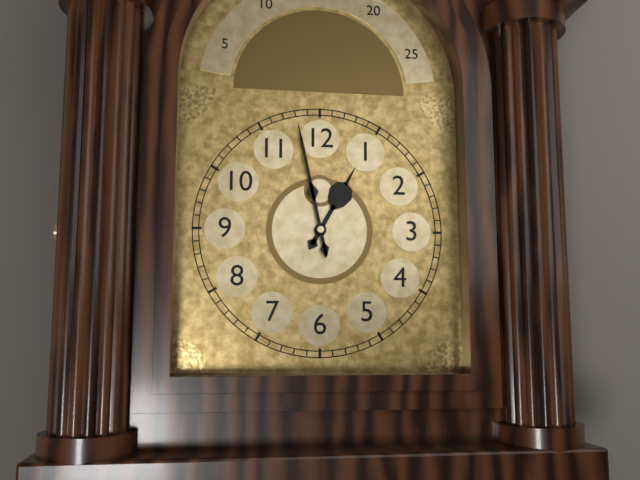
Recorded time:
12,58
